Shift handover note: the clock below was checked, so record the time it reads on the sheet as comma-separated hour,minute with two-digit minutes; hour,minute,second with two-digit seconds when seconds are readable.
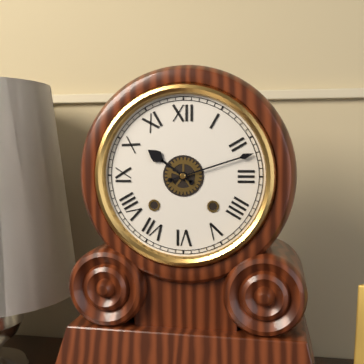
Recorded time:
10,12
